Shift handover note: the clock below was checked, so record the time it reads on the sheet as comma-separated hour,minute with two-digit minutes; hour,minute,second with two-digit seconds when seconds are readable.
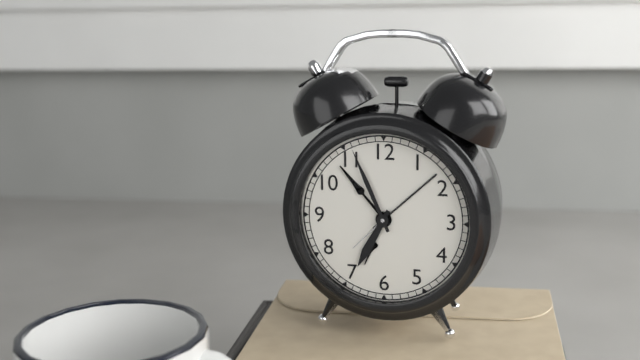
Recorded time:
6,56
